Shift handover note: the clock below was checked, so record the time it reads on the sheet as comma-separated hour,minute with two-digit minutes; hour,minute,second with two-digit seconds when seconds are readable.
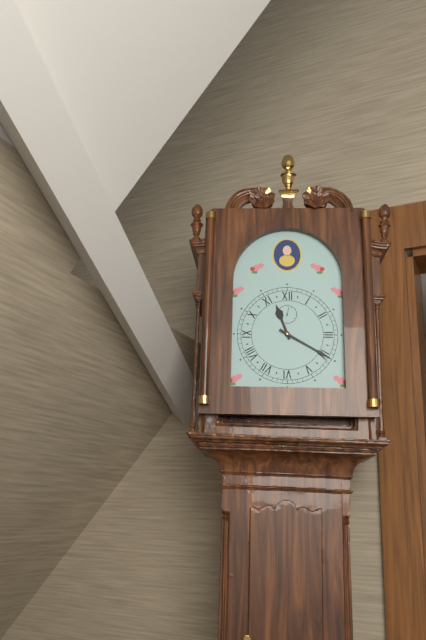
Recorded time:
11,20
